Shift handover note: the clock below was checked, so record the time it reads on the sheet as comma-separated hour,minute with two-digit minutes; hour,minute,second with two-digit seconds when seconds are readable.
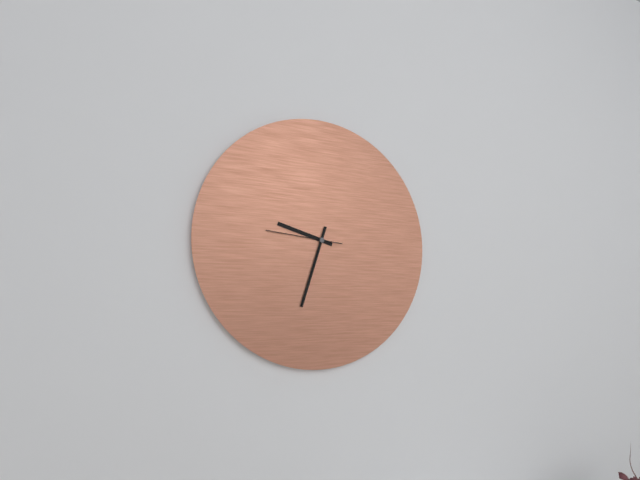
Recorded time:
9,33,46
